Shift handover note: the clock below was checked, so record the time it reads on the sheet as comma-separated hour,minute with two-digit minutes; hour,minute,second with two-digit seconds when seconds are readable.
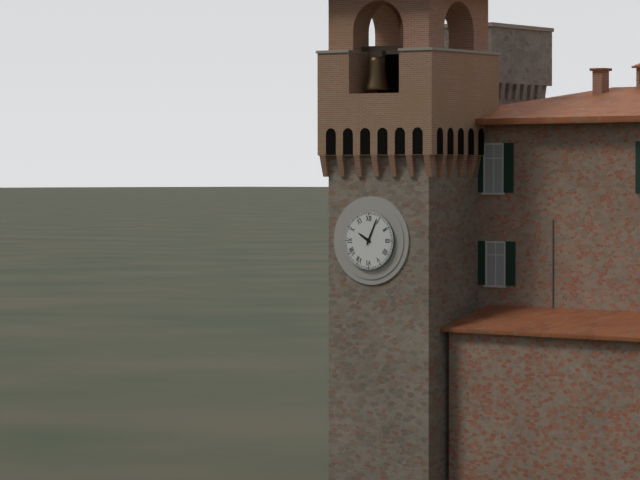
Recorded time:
10,04
